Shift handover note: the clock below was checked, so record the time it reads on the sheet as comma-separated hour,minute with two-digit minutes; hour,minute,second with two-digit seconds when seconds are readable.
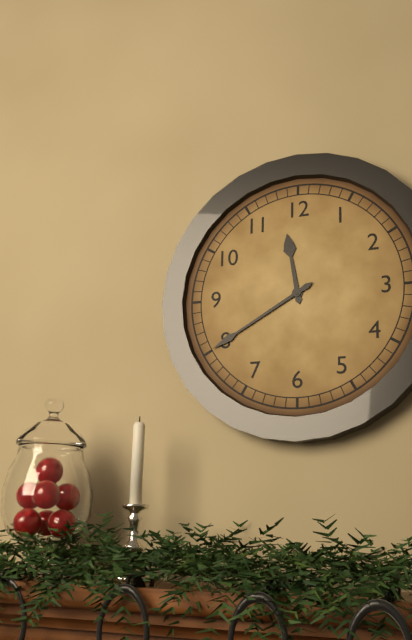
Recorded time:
11,40
